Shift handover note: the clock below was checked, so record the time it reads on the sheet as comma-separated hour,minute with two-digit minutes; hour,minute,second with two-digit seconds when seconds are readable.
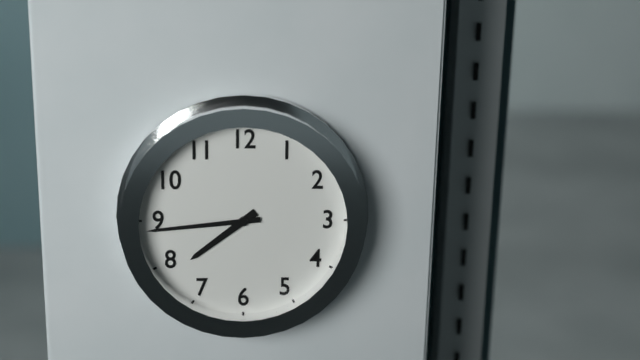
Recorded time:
7,44
